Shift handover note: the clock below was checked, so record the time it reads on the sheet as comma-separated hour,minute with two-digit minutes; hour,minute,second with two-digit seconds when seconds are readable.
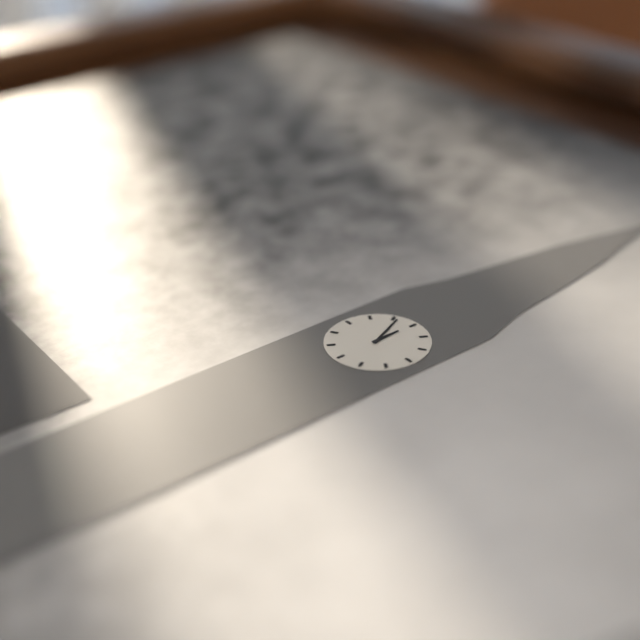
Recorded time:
11,56
